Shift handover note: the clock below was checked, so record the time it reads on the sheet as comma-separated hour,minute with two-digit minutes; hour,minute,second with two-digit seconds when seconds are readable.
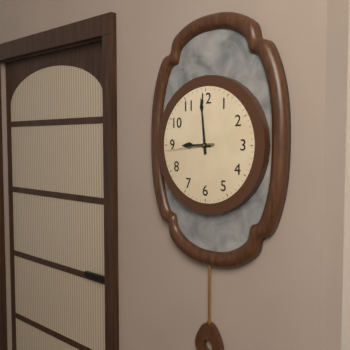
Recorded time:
8,59
